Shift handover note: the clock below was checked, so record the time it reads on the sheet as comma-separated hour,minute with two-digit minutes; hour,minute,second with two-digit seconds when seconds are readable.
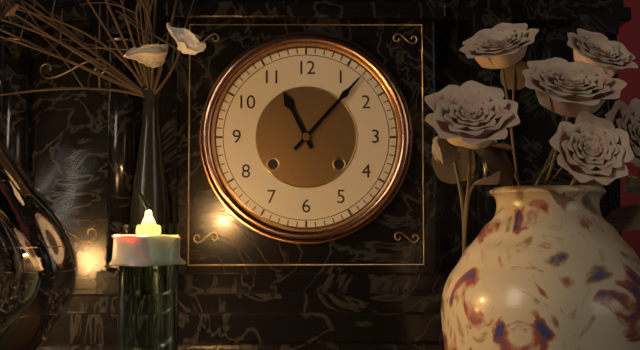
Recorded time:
11,07
